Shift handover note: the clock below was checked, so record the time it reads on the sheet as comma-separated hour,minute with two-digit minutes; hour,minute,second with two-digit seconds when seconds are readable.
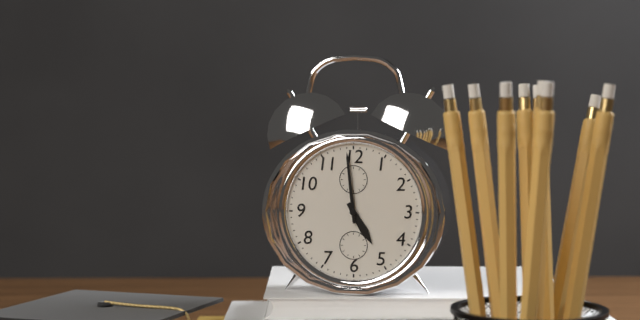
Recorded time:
4,59
